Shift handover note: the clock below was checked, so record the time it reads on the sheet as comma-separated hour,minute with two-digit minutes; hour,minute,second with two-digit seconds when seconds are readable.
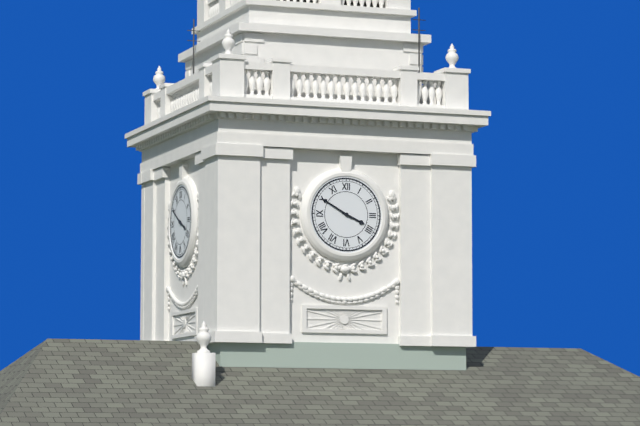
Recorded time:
3,50
